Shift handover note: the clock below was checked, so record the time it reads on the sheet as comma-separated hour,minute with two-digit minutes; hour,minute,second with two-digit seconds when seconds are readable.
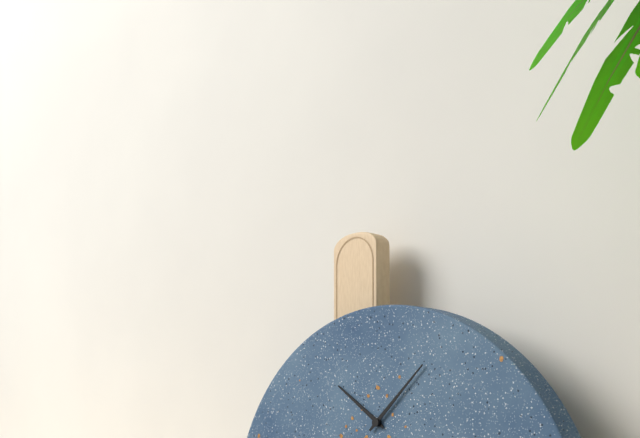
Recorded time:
10,08
